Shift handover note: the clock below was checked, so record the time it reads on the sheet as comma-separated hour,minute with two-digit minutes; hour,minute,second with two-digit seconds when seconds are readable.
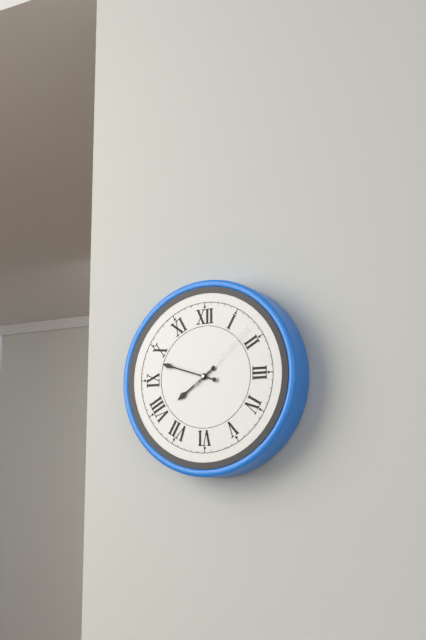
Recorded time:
7,48,08
